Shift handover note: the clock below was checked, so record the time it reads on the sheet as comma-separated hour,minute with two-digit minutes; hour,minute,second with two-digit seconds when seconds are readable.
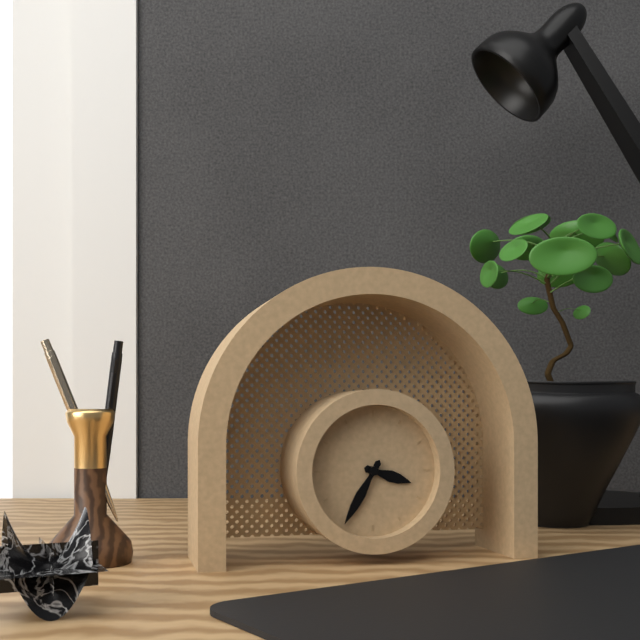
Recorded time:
3,35
